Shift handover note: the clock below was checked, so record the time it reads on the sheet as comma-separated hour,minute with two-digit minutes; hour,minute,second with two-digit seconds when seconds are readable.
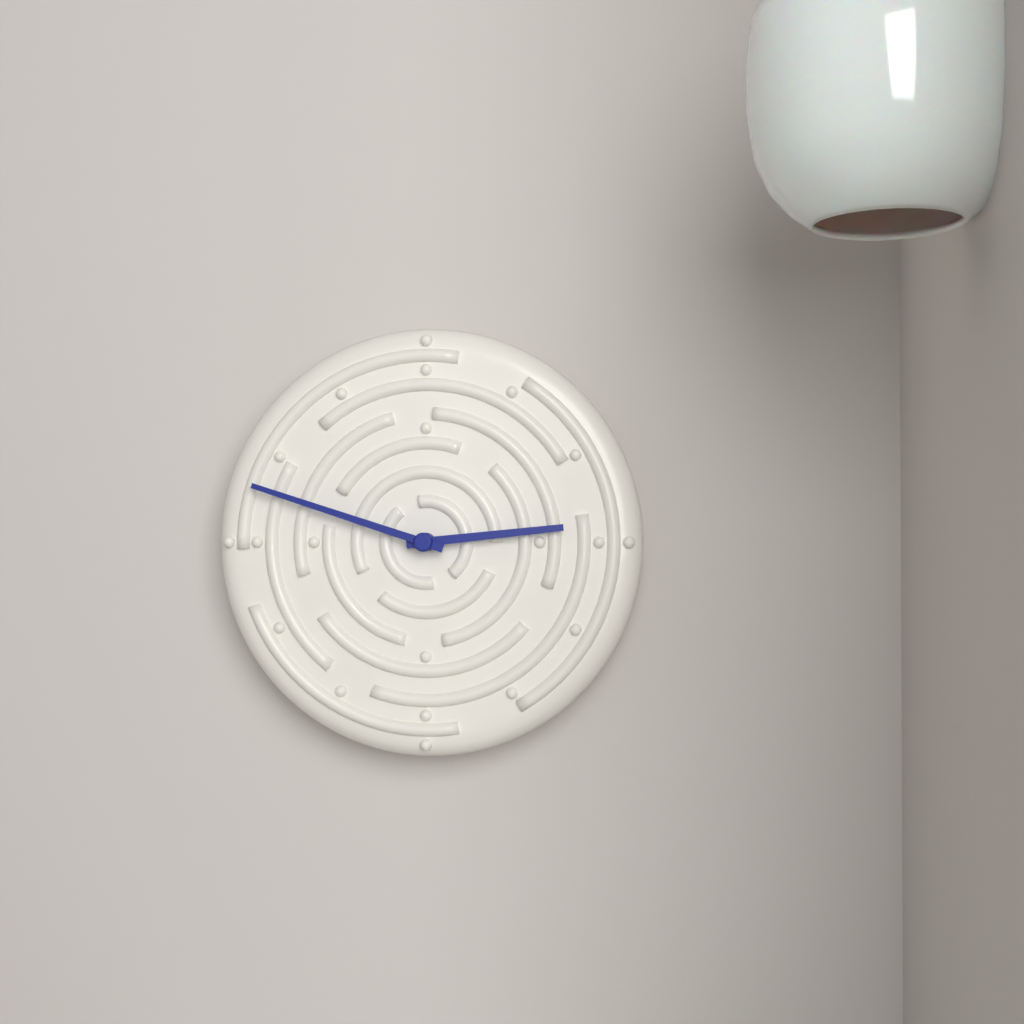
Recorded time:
2,48
